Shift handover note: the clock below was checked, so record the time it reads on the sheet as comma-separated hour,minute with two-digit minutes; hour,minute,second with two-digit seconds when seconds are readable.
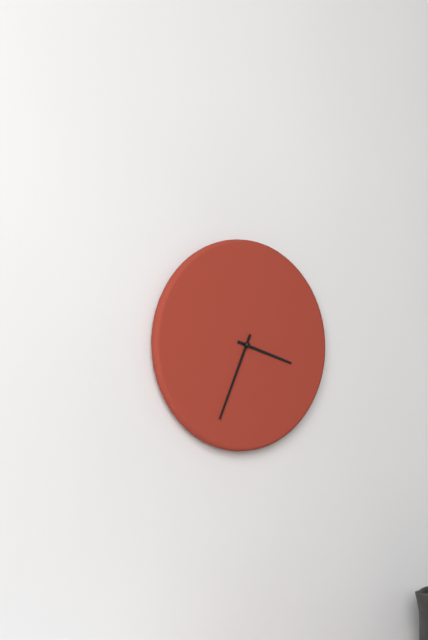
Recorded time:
3,34
